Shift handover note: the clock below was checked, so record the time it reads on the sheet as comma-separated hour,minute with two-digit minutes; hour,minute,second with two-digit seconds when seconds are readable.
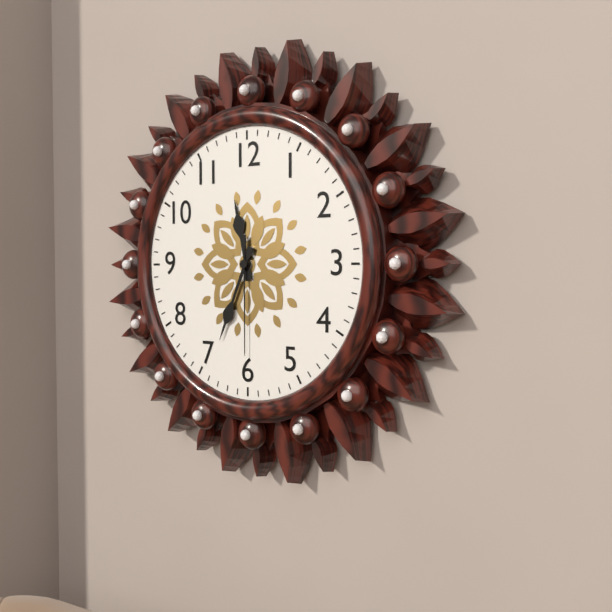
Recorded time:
11,34,30
